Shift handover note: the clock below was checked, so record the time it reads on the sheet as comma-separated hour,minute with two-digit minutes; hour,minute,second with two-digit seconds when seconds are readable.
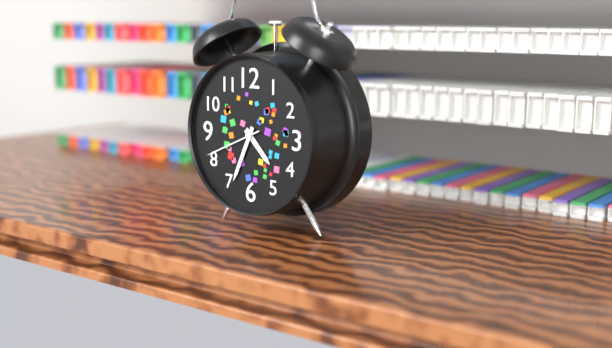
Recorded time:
4,34,41
